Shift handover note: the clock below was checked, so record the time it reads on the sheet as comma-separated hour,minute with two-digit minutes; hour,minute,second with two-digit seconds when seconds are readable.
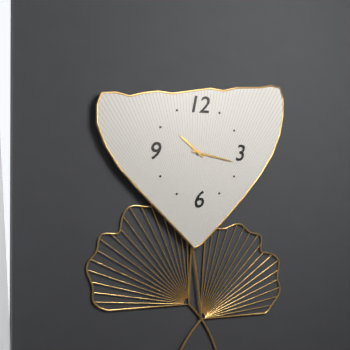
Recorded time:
10,17
